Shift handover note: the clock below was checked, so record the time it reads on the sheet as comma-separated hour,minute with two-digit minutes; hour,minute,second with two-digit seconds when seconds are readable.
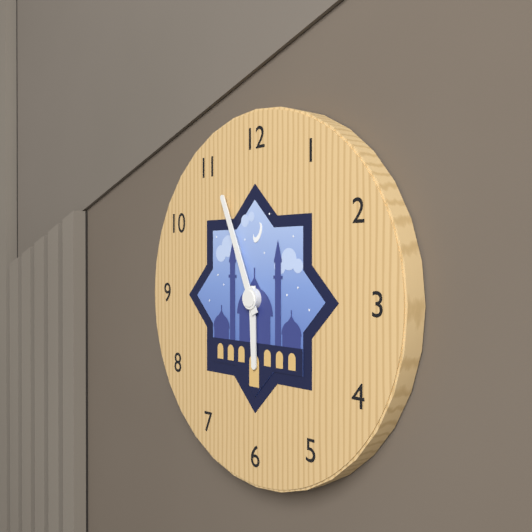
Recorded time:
5,56
